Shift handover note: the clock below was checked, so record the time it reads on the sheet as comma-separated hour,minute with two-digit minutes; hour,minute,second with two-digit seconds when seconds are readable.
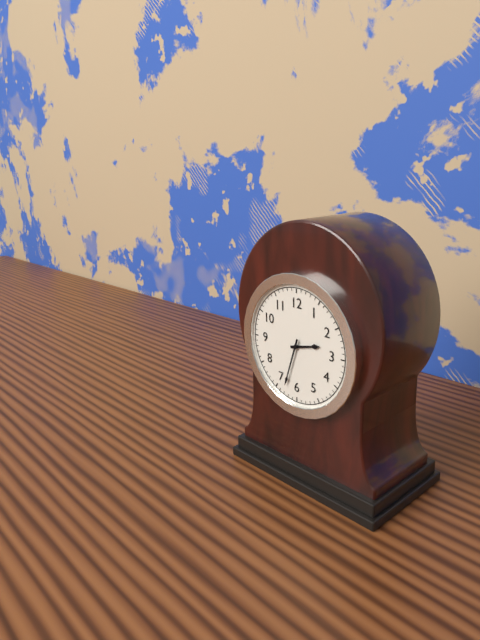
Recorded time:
2,33
